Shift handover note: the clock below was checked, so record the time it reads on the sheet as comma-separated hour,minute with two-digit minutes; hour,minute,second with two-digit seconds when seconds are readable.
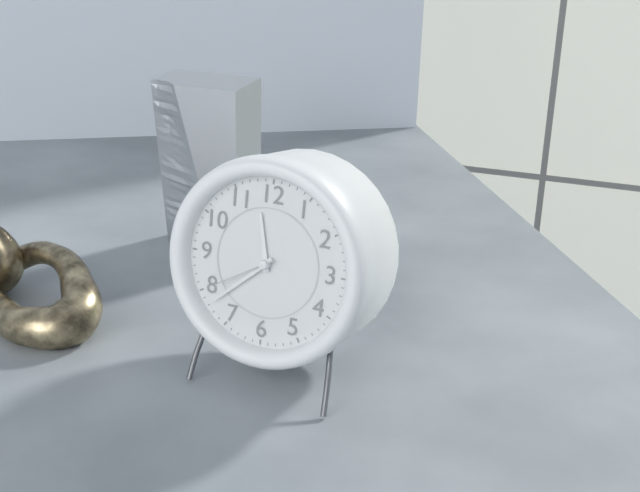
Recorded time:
11,38,40
